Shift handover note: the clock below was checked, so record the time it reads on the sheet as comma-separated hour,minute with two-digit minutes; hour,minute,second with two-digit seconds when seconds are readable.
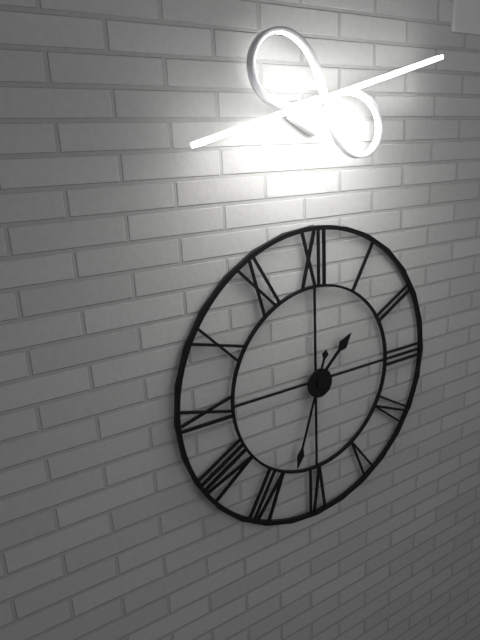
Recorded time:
1,33
